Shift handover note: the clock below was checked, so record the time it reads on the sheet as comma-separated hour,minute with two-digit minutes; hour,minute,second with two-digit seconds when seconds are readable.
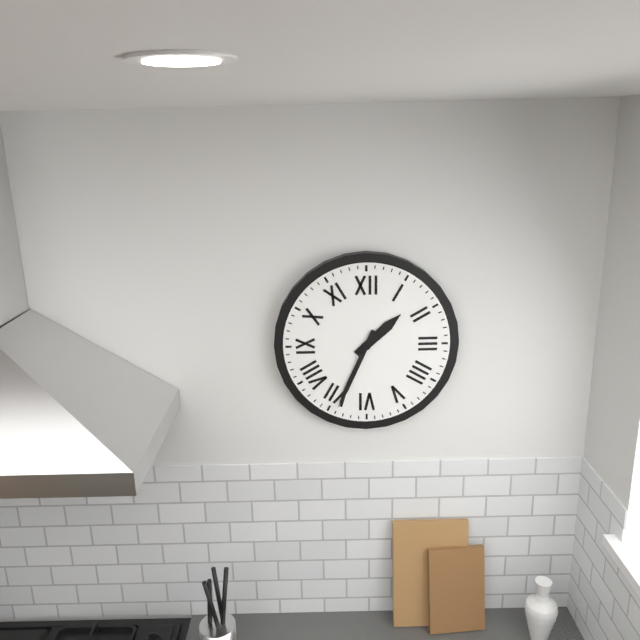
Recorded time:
1,34
